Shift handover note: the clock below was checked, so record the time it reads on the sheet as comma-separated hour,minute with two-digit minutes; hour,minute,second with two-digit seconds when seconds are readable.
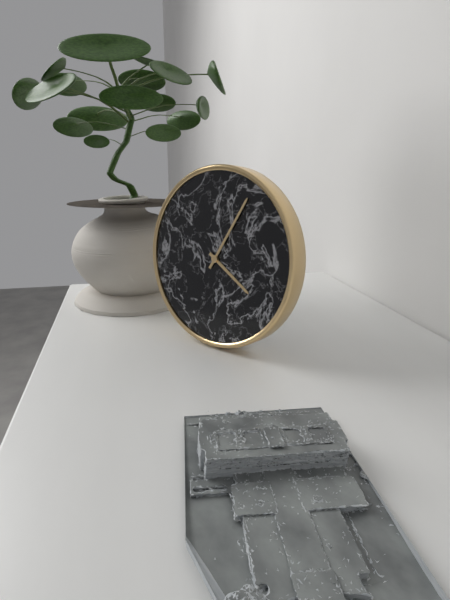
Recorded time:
4,05
